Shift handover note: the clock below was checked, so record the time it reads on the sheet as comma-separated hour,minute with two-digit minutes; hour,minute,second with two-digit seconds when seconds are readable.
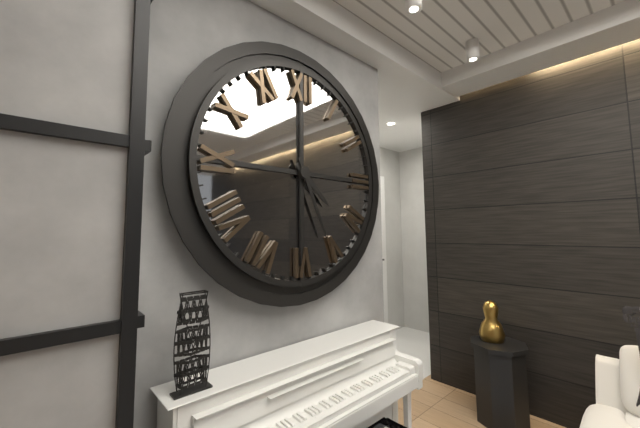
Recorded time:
4,26
